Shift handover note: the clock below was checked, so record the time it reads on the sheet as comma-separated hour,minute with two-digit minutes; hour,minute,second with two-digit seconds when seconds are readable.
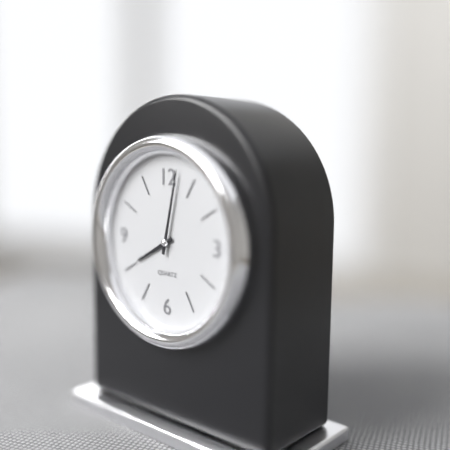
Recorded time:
8,02
